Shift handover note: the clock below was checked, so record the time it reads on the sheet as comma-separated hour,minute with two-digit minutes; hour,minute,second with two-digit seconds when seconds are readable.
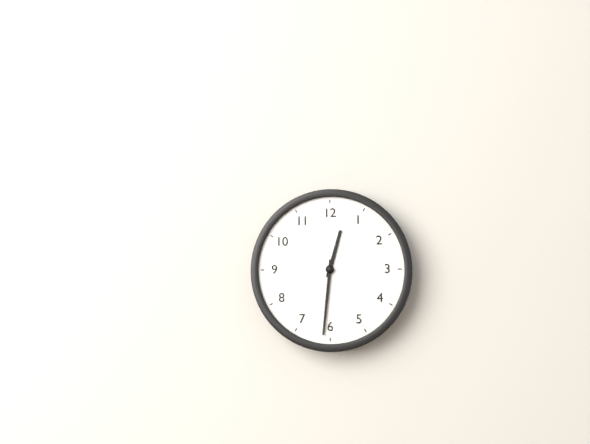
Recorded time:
12,31
